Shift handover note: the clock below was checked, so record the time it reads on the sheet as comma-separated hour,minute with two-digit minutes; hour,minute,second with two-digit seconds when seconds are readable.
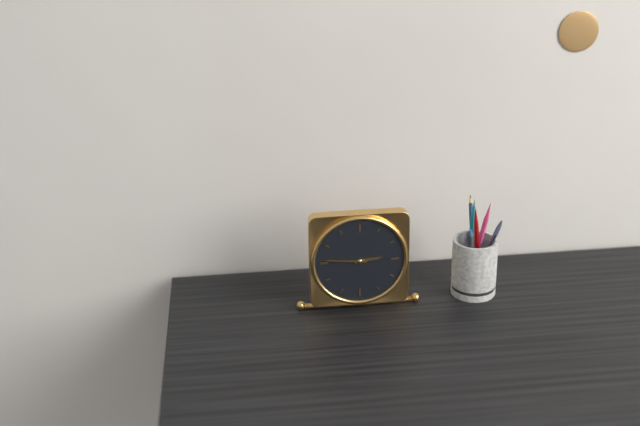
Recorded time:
2,46
